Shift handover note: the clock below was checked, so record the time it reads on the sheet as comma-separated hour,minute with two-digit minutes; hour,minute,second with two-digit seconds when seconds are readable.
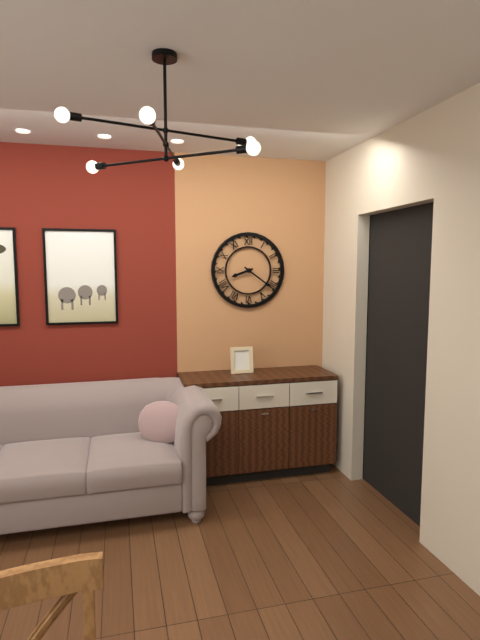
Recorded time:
8,21
